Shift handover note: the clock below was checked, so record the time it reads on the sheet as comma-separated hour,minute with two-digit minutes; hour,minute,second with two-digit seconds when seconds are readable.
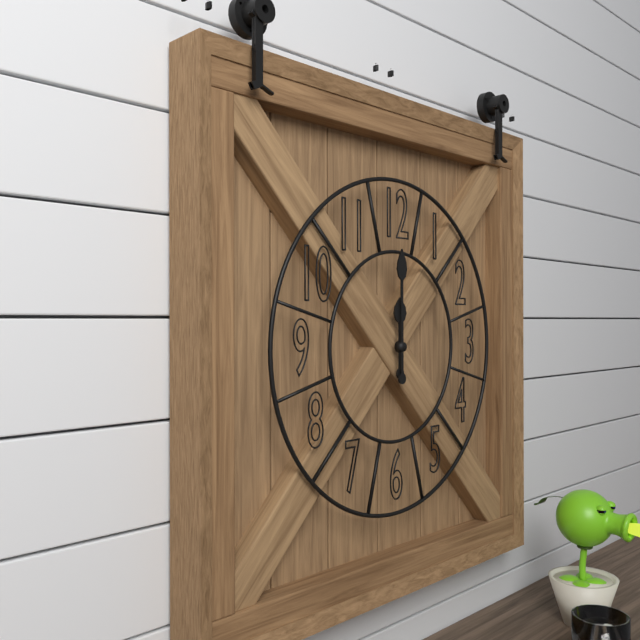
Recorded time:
12,00
